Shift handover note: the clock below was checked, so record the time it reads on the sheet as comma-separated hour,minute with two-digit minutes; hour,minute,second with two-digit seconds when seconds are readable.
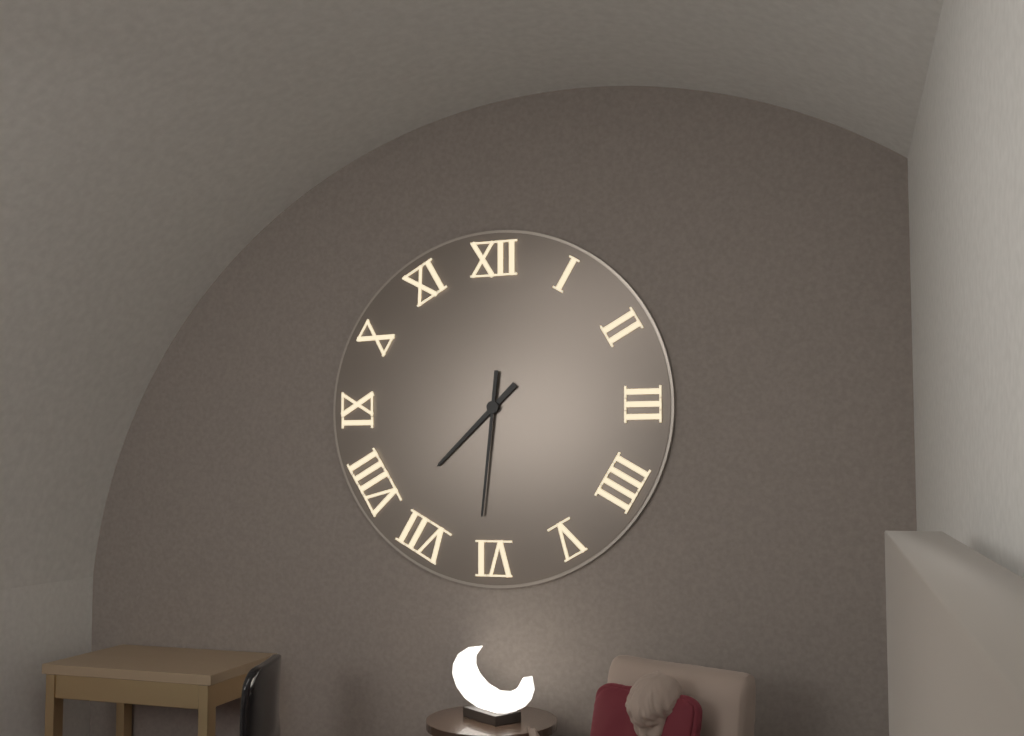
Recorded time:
7,31
